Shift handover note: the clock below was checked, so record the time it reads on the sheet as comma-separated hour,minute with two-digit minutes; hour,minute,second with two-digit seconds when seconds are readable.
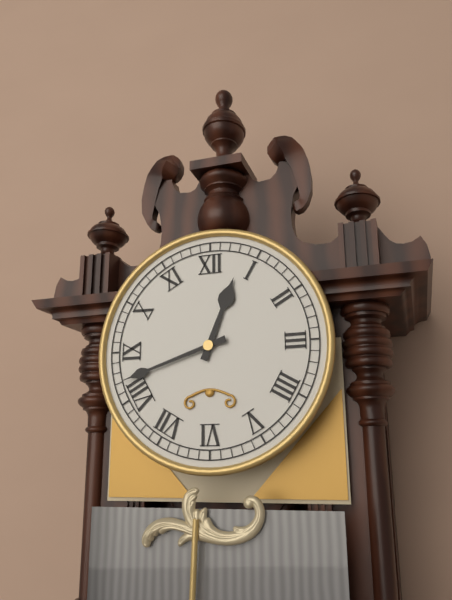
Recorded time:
12,42
